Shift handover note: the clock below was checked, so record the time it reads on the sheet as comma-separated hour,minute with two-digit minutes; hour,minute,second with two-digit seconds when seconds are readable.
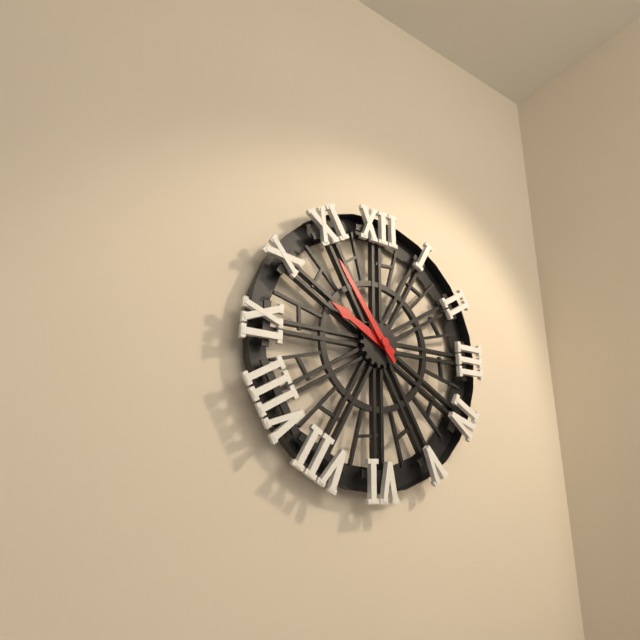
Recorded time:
9,54
